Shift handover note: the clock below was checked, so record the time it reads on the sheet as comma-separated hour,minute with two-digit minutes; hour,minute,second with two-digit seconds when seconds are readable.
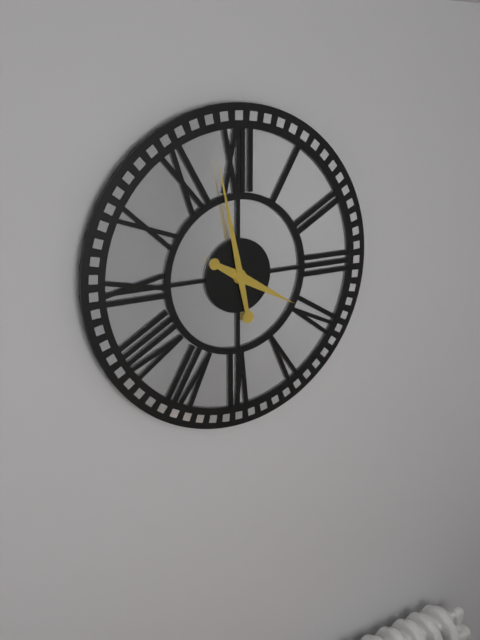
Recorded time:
3,58
